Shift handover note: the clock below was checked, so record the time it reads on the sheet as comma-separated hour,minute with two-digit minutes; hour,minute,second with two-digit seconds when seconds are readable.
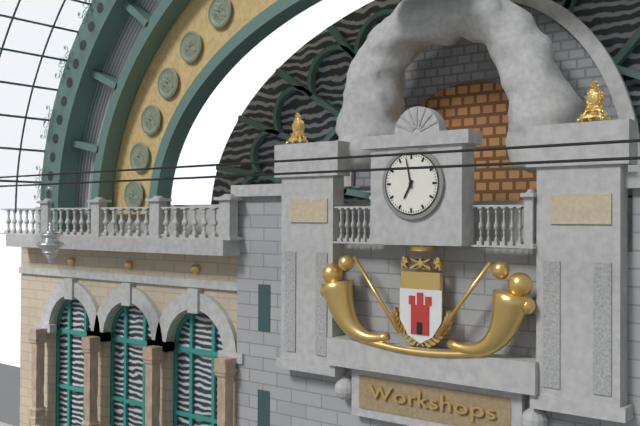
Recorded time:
6,58
